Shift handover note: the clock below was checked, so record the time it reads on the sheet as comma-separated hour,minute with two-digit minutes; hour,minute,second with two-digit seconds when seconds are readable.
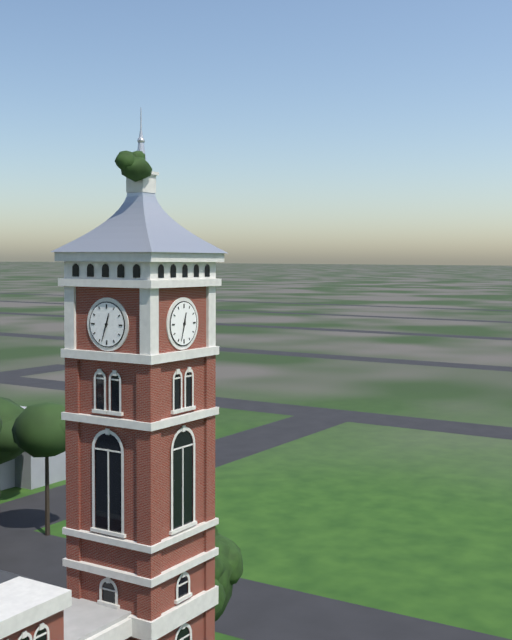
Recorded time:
12,33
